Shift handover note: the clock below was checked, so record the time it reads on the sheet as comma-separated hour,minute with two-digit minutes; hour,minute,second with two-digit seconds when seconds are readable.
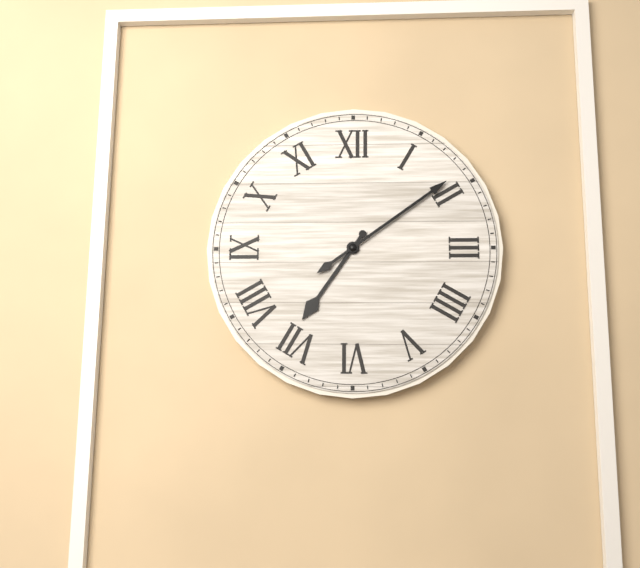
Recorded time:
7,09
